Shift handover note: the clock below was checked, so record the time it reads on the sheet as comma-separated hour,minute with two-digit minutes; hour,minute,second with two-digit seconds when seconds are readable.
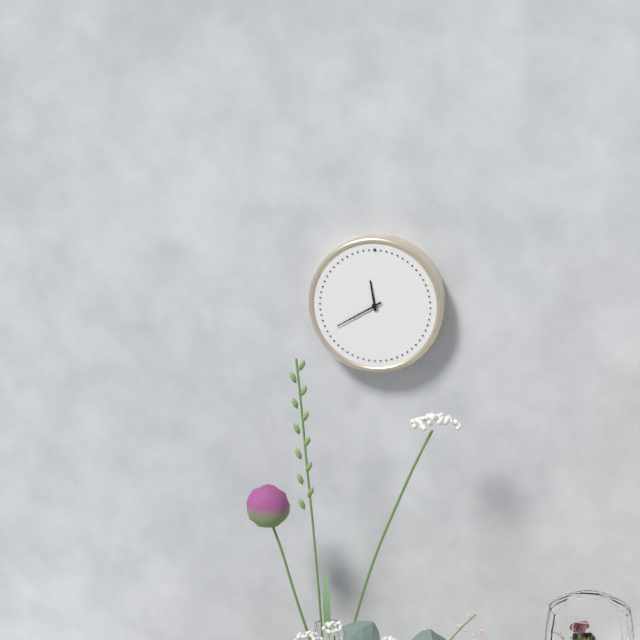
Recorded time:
11,40
